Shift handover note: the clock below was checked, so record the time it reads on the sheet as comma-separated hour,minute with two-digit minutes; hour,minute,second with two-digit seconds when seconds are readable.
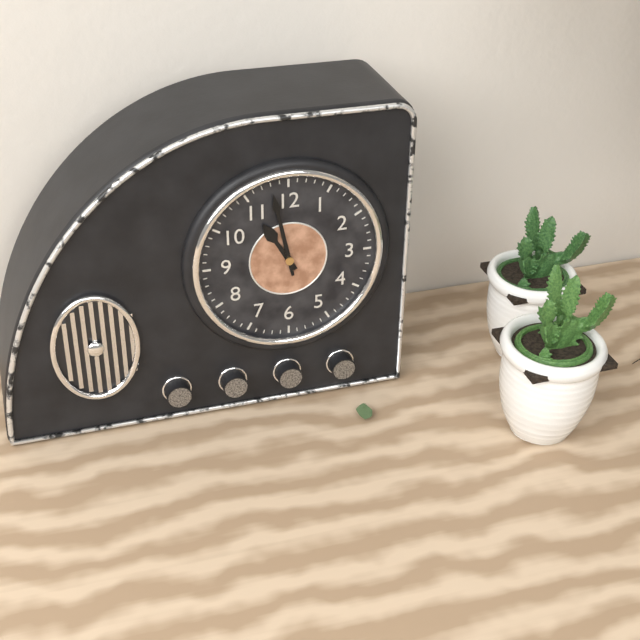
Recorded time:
10,58
